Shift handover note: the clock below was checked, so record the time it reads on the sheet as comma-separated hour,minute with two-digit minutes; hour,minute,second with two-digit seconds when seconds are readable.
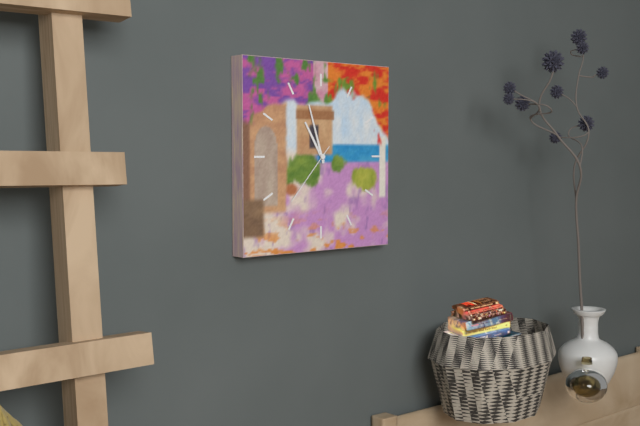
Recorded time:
10,57,37
